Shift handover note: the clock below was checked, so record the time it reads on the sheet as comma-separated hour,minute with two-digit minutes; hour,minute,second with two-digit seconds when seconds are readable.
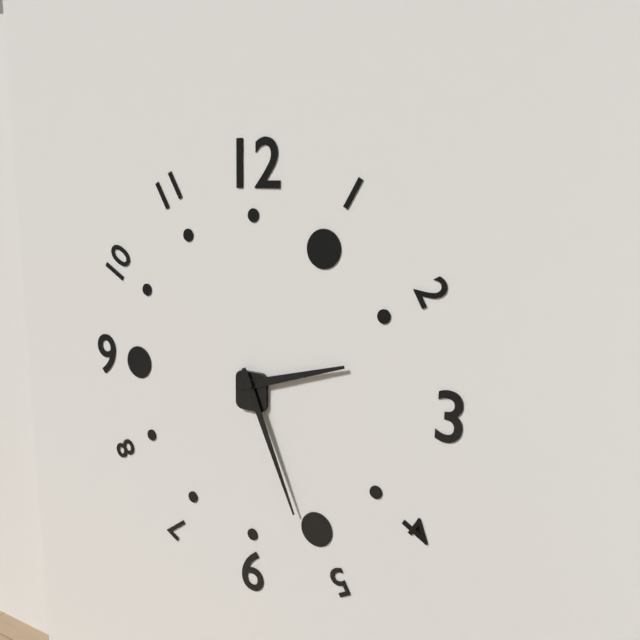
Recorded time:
2,26
